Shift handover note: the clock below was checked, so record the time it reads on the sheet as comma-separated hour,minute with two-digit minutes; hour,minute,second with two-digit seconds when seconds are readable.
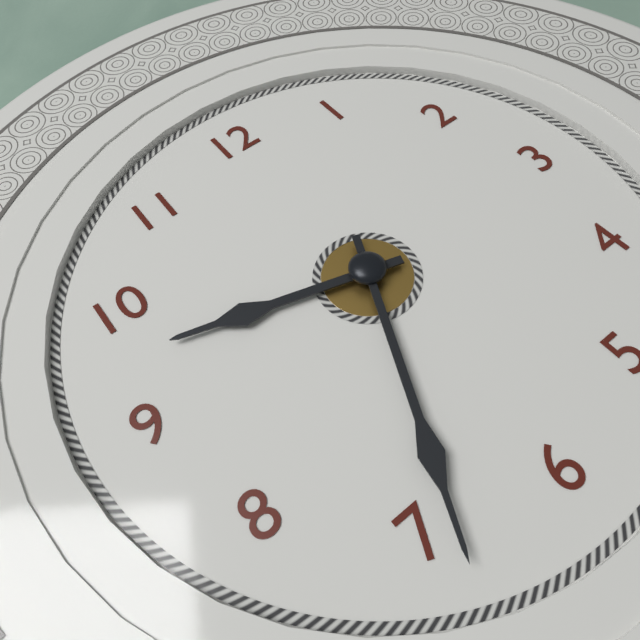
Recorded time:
9,34
